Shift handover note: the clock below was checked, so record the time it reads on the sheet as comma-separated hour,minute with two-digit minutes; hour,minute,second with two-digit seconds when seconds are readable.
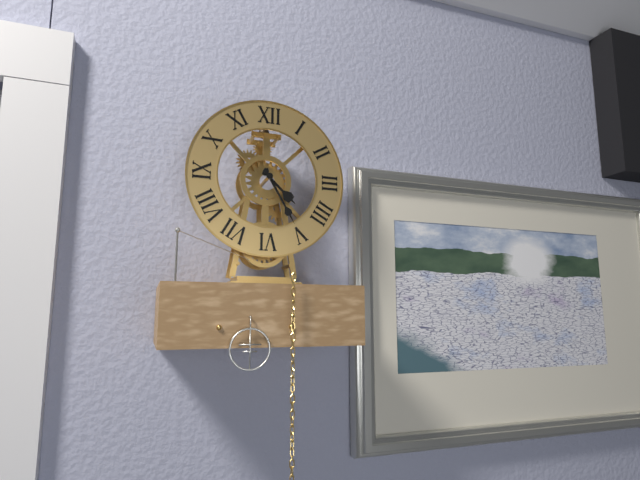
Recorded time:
4,25
